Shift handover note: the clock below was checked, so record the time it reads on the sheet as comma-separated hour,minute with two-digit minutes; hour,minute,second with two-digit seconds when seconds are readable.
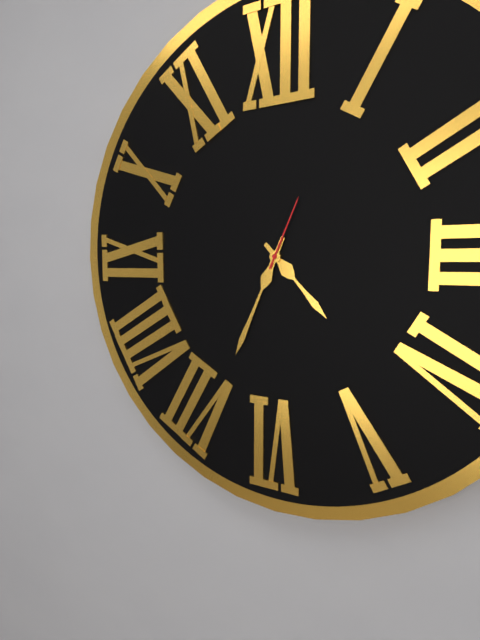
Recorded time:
4,34,04
